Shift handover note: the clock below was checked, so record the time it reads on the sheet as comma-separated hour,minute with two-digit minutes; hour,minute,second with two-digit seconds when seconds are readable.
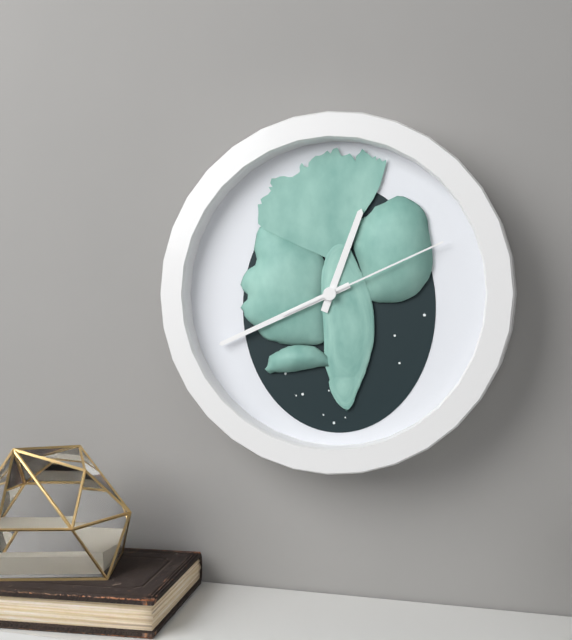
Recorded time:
12,41,11
